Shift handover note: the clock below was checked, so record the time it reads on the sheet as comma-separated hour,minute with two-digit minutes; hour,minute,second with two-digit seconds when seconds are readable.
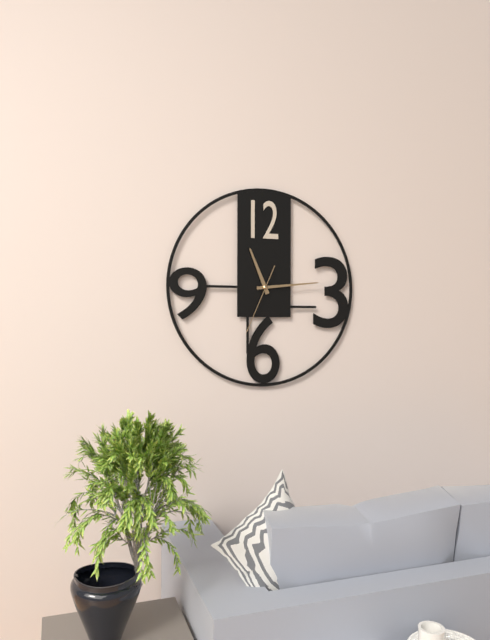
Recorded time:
11,14,34
